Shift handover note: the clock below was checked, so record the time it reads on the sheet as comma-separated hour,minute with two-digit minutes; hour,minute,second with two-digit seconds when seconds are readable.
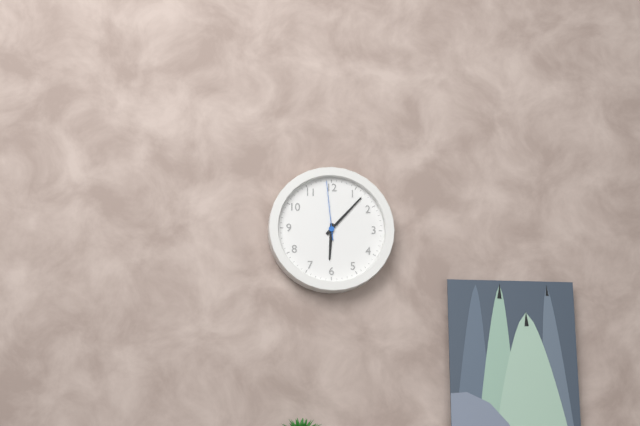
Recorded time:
6,07,59
